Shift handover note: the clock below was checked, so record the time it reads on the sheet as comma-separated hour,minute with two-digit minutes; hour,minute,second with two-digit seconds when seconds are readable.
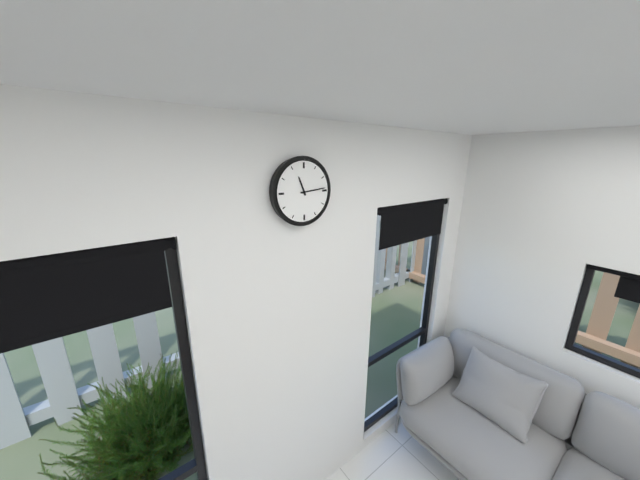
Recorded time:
11,14
